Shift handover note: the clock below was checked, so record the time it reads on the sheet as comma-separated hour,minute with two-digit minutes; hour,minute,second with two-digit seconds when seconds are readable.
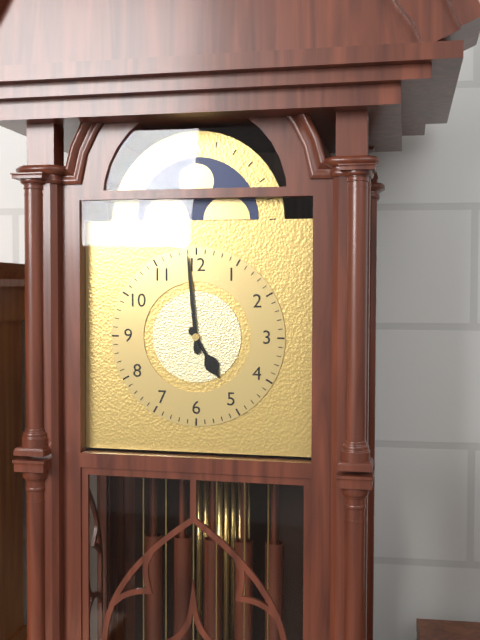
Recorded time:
4,59
